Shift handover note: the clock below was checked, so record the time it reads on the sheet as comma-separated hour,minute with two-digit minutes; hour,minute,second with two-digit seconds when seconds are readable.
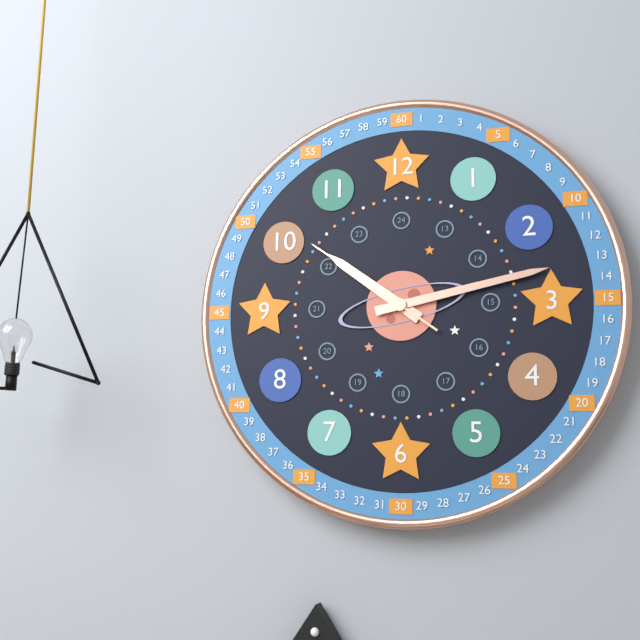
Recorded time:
10,13,51
